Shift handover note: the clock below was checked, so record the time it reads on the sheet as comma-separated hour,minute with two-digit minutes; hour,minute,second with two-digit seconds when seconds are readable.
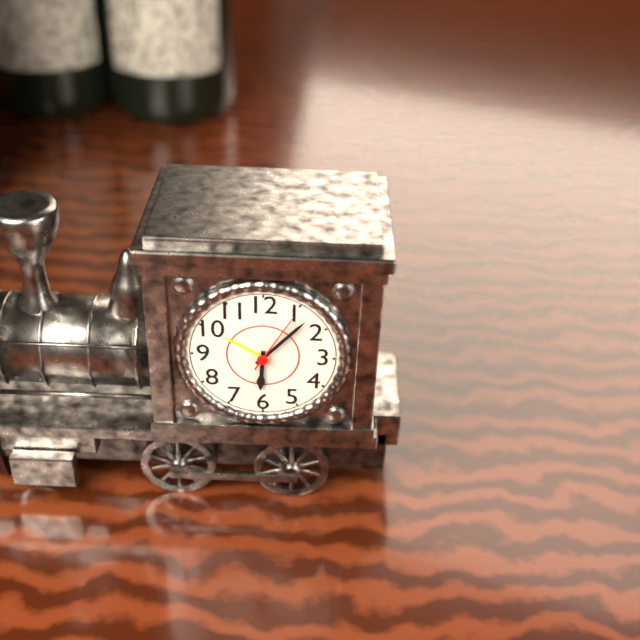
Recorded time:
6,07,05
